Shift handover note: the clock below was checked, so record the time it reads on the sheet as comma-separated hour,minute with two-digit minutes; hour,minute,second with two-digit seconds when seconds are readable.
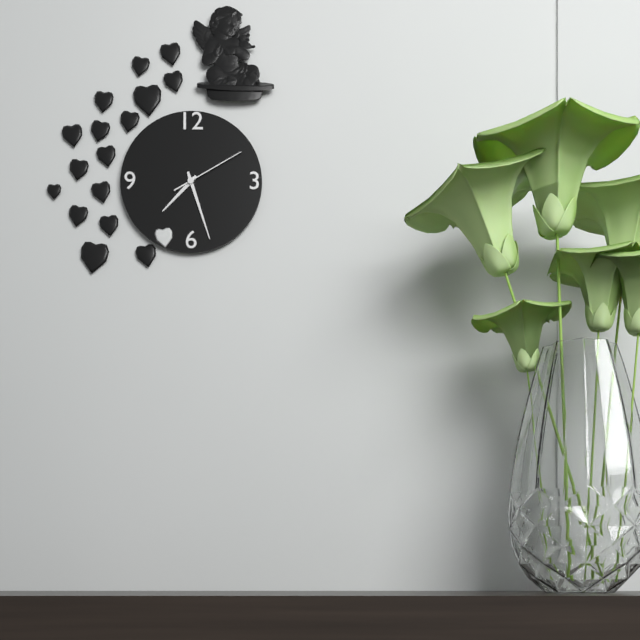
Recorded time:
7,27,10
